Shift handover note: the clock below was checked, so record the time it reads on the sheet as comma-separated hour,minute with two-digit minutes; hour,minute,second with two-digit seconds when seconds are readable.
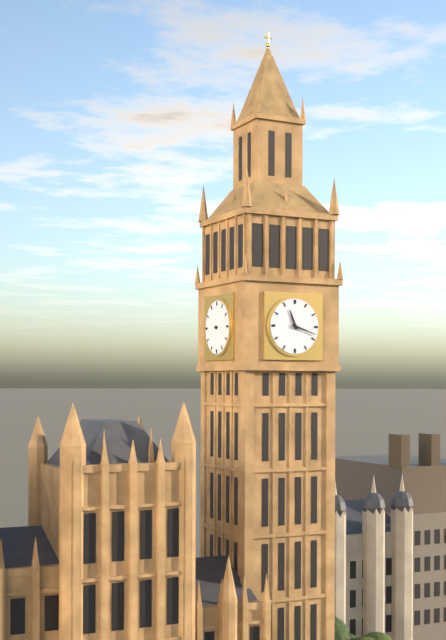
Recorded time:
11,18
